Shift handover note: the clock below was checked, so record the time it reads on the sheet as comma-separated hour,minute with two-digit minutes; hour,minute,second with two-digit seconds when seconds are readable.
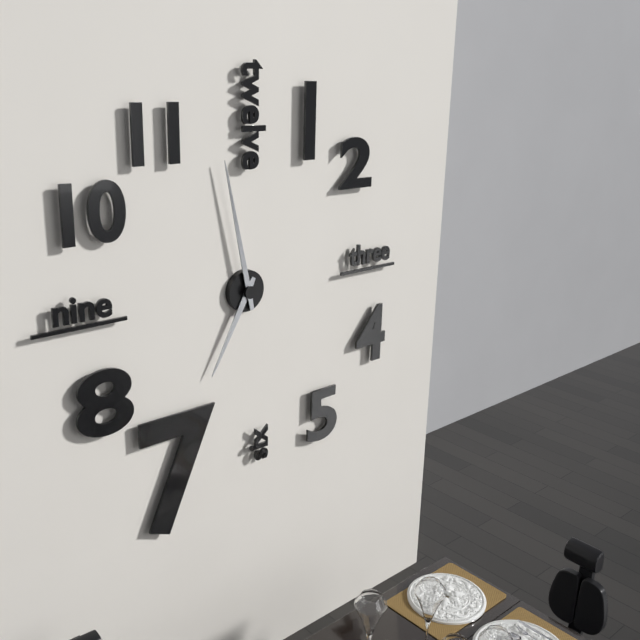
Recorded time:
6,58
